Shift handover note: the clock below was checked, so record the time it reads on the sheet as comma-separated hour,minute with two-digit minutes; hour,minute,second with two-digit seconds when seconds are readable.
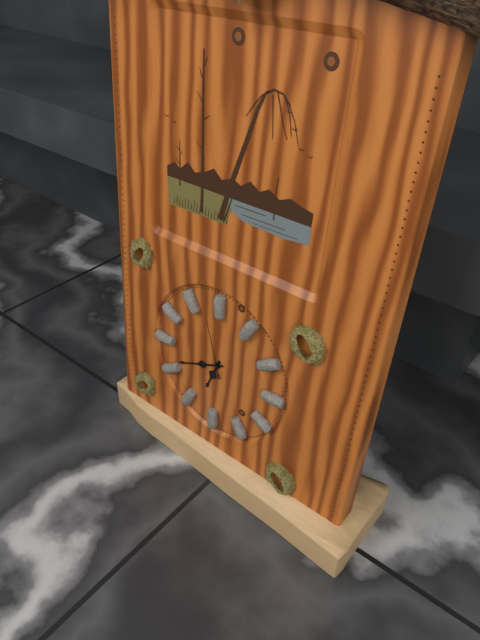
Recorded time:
6,41,57
